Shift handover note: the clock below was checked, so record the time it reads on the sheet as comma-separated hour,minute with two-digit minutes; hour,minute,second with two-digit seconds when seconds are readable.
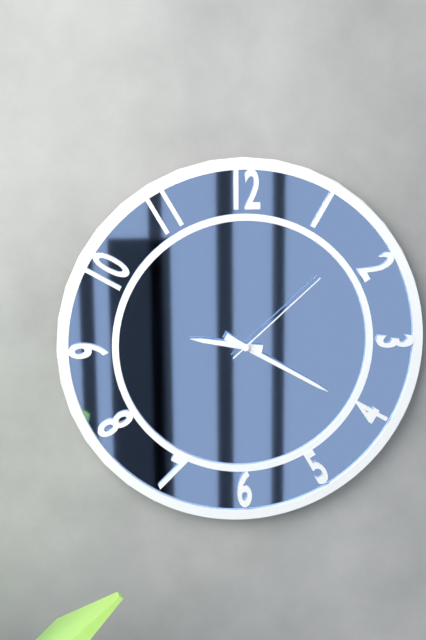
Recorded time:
9,20,08
